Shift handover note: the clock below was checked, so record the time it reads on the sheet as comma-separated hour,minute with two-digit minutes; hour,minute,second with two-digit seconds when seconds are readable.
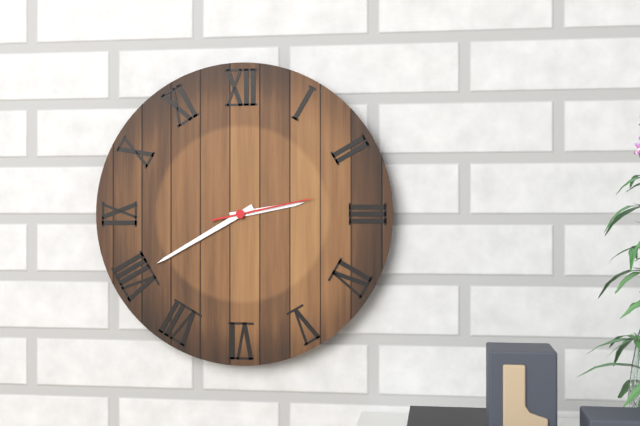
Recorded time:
2,40,13
